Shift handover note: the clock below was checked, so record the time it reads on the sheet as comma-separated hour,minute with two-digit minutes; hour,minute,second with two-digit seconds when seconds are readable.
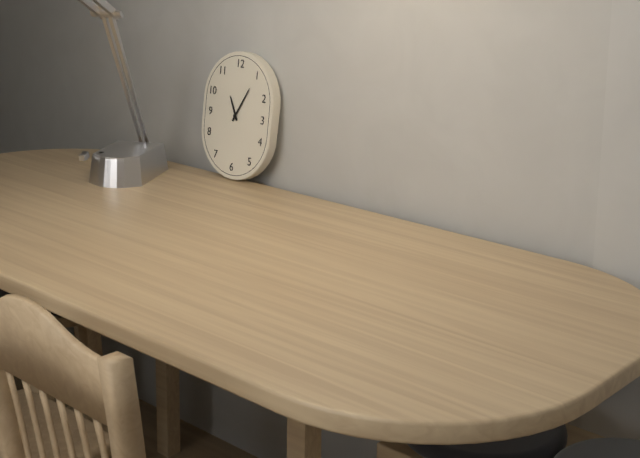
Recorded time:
11,05
